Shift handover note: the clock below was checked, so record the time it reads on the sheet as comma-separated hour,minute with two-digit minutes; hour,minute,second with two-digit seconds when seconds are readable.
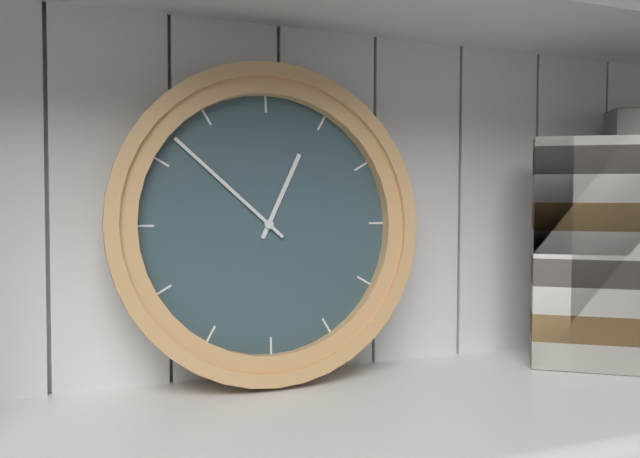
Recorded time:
12,52
